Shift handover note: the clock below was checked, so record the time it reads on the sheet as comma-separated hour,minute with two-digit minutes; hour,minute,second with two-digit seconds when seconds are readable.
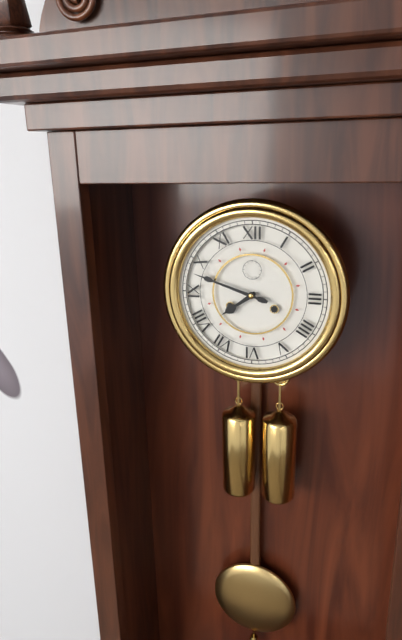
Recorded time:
7,48
